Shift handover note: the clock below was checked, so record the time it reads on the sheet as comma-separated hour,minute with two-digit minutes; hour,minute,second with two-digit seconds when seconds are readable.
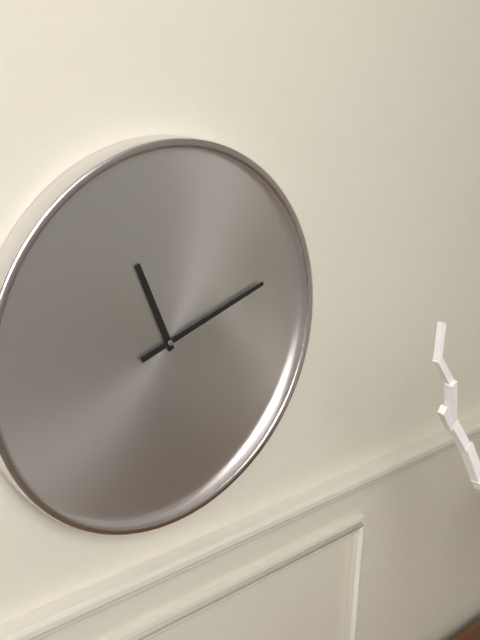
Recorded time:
11,12
